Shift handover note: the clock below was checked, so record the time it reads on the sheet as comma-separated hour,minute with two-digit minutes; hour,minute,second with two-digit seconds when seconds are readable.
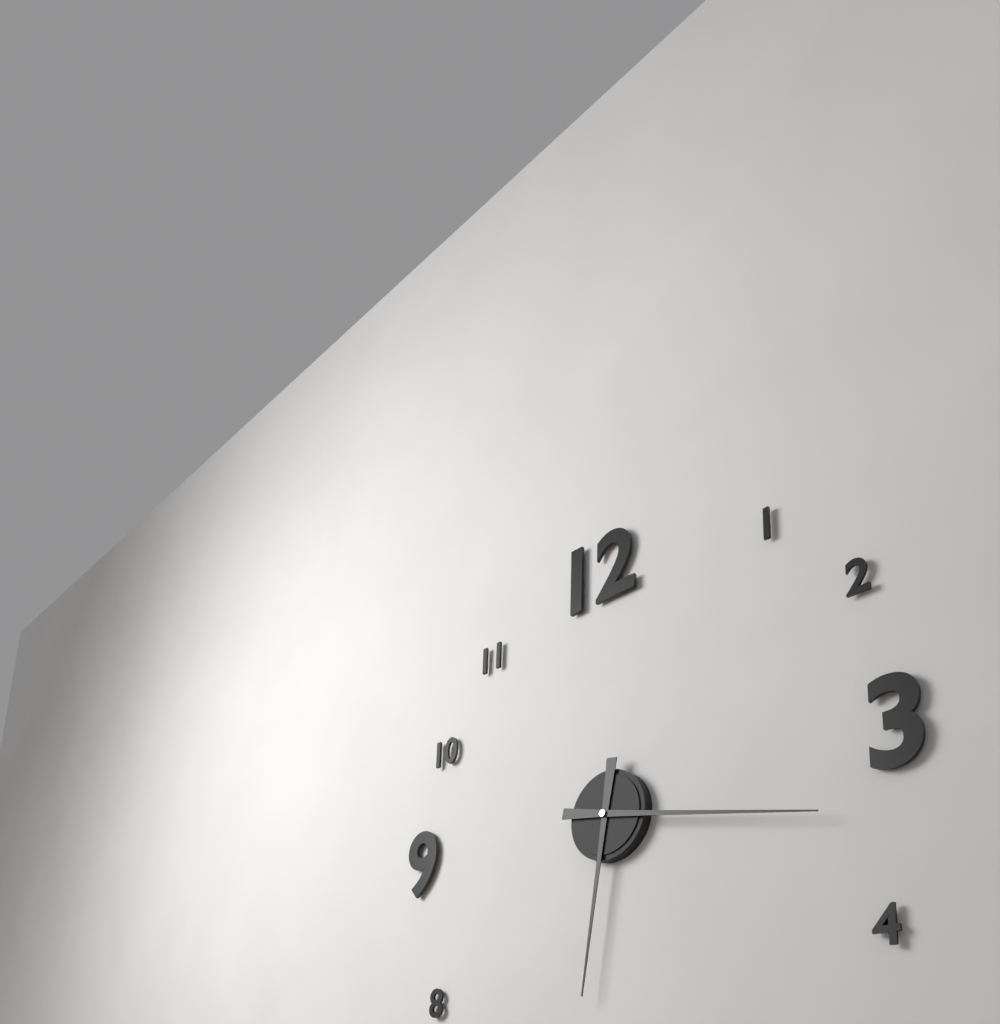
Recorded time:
6,17
